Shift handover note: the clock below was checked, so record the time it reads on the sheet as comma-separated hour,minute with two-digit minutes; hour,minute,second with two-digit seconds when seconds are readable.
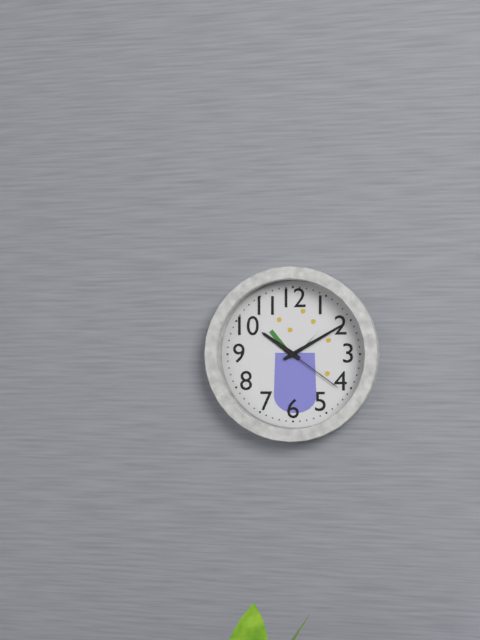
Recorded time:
10,10,21
